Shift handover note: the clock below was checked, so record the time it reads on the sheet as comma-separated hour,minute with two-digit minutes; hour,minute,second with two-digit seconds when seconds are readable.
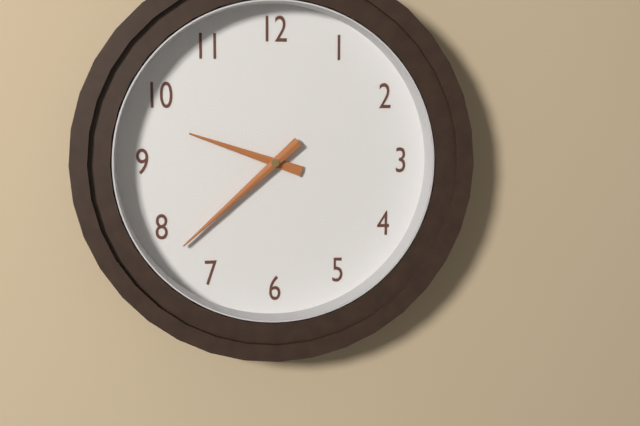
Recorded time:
9,38
